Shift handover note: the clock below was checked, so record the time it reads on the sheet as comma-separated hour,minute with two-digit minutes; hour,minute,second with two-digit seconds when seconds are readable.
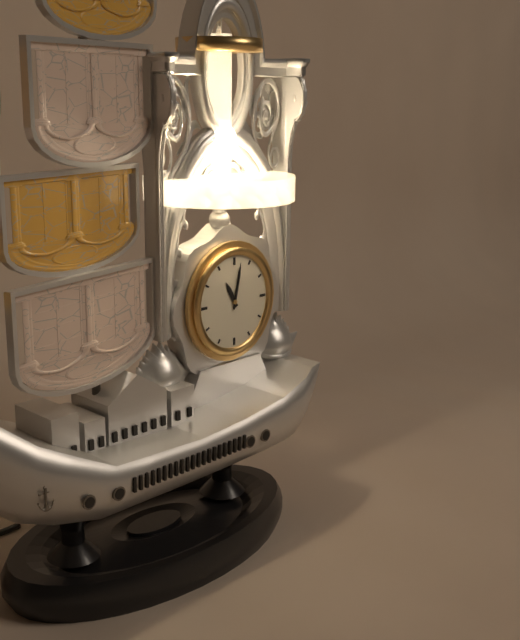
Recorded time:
11,02
